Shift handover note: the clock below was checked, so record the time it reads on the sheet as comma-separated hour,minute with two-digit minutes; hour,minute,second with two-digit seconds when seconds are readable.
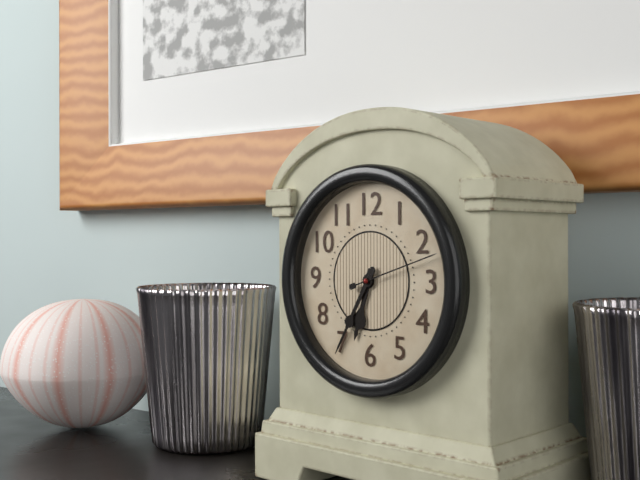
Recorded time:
6,35,12
